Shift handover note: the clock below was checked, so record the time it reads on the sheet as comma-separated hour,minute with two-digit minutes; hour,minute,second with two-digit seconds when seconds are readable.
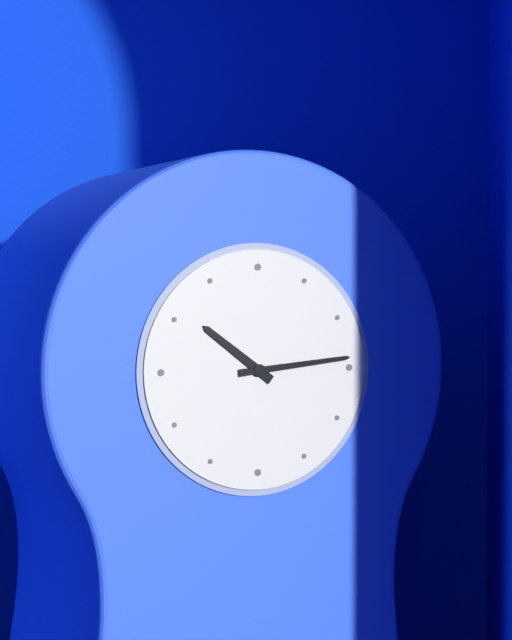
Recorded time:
10,14
